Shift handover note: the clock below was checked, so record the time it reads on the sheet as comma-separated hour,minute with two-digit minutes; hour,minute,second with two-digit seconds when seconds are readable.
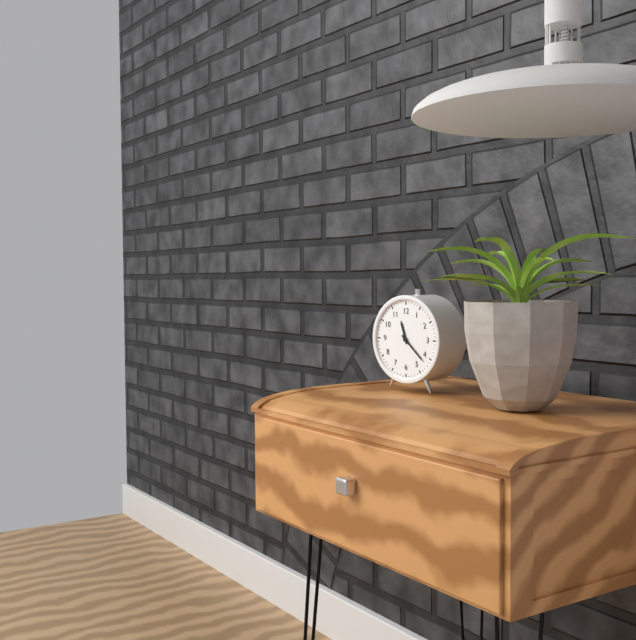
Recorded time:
11,22
